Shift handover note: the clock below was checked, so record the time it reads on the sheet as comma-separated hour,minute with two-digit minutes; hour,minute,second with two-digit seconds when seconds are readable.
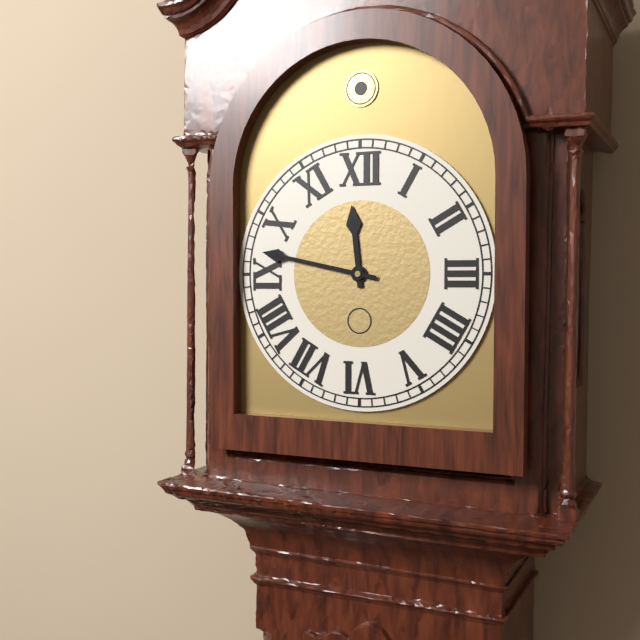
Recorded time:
11,47
